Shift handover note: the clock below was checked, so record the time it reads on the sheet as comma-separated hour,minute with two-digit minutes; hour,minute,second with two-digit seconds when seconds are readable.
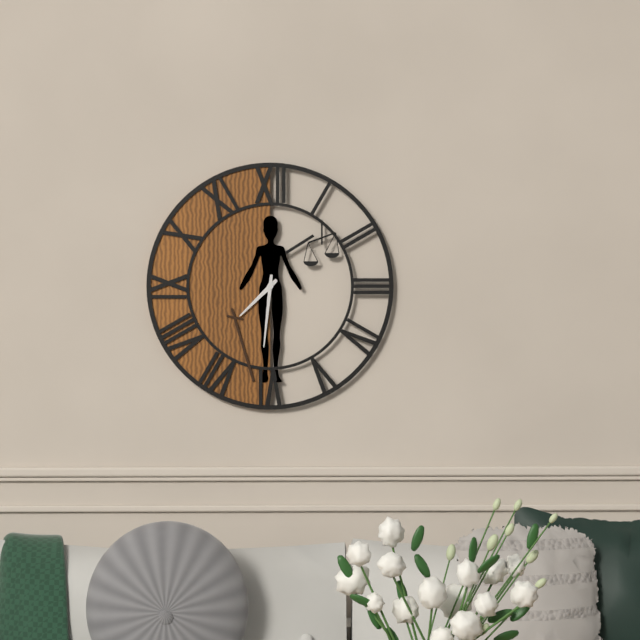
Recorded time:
7,31
